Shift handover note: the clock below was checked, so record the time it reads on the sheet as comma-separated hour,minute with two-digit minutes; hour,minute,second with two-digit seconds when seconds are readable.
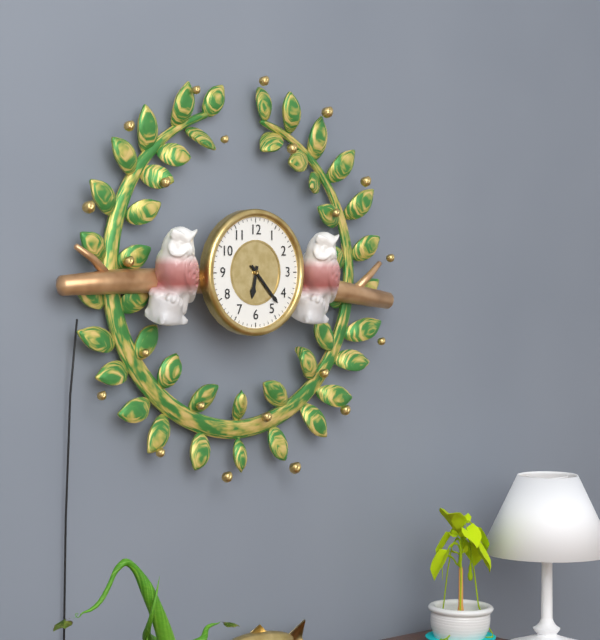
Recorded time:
6,23
